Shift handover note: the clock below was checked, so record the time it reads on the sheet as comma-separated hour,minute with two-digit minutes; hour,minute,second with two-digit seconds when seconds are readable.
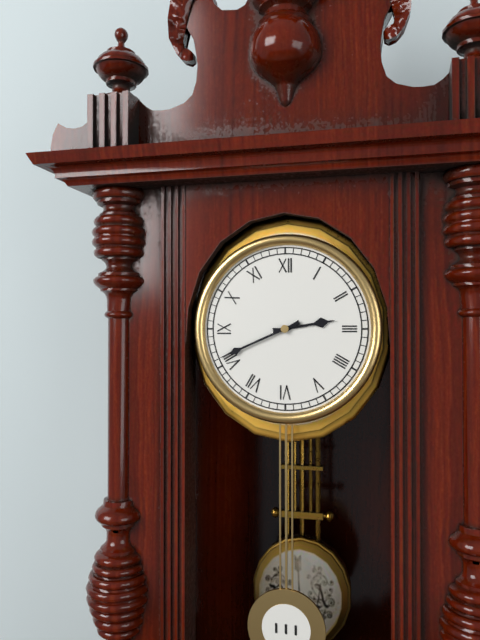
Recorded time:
2,41
